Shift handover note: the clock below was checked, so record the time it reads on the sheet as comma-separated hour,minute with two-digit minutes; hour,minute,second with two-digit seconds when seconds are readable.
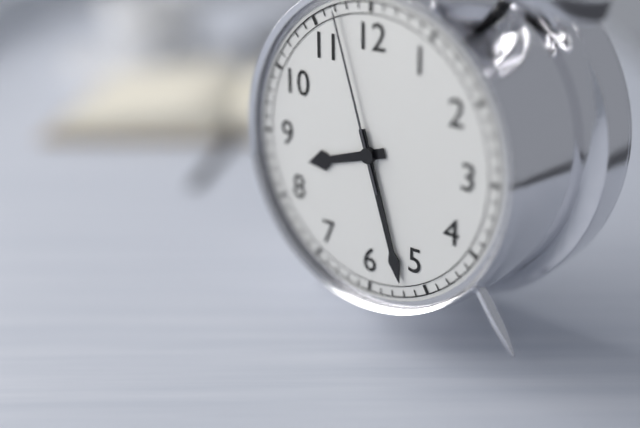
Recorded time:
8,27,57
